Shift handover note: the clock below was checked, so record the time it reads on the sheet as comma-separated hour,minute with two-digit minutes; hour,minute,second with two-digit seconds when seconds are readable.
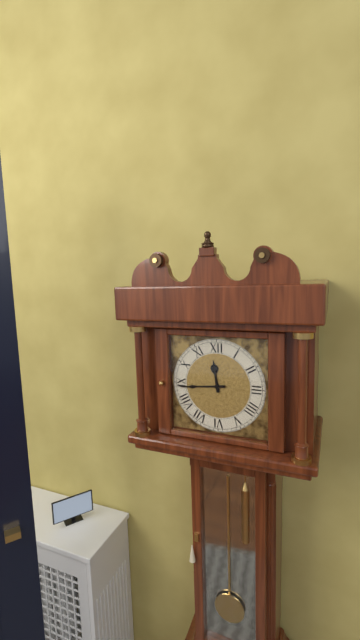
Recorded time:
11,44
